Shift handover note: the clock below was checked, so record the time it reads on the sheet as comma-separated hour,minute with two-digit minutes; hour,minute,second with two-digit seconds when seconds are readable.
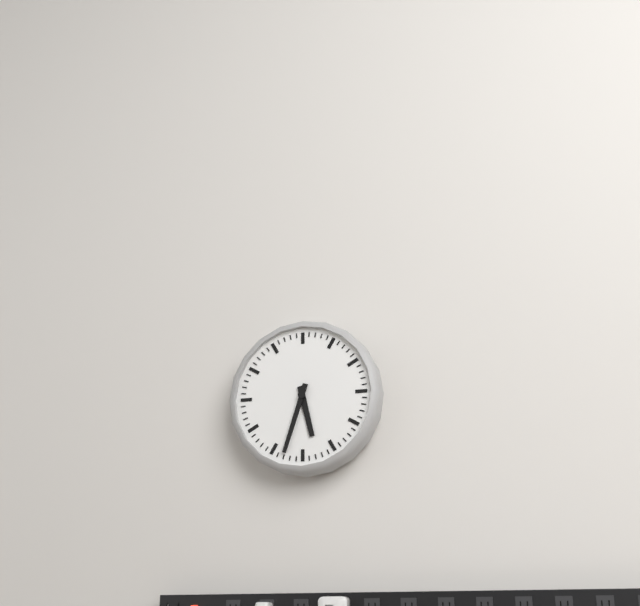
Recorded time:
5,33
